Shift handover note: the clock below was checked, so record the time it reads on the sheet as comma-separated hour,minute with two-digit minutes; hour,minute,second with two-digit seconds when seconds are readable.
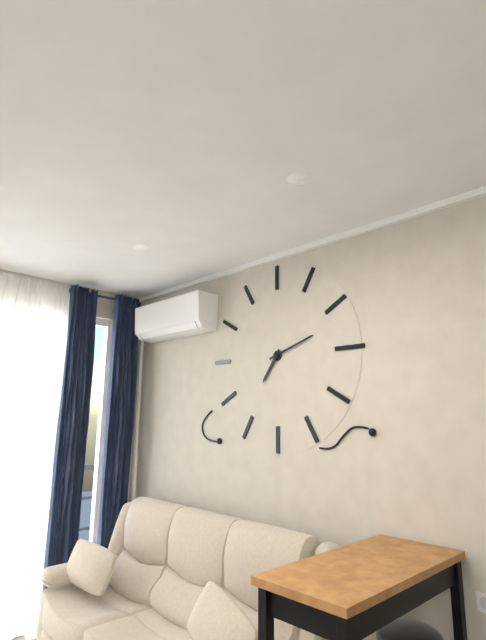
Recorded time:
7,12
